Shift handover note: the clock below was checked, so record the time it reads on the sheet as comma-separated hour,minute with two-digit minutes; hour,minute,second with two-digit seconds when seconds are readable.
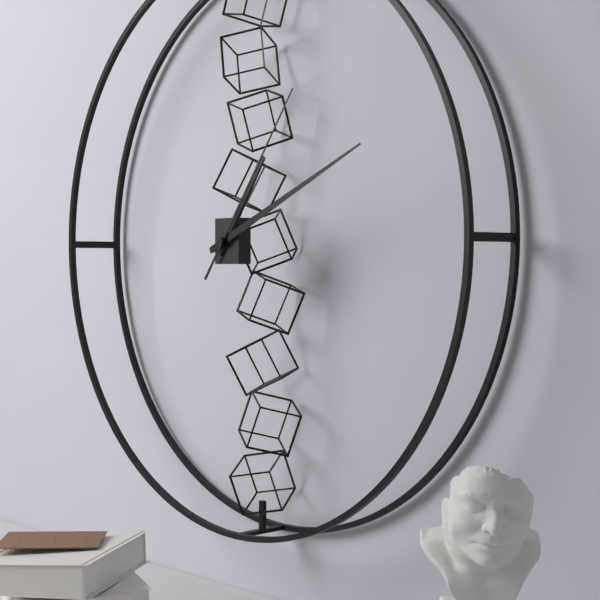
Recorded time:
1,11,06
